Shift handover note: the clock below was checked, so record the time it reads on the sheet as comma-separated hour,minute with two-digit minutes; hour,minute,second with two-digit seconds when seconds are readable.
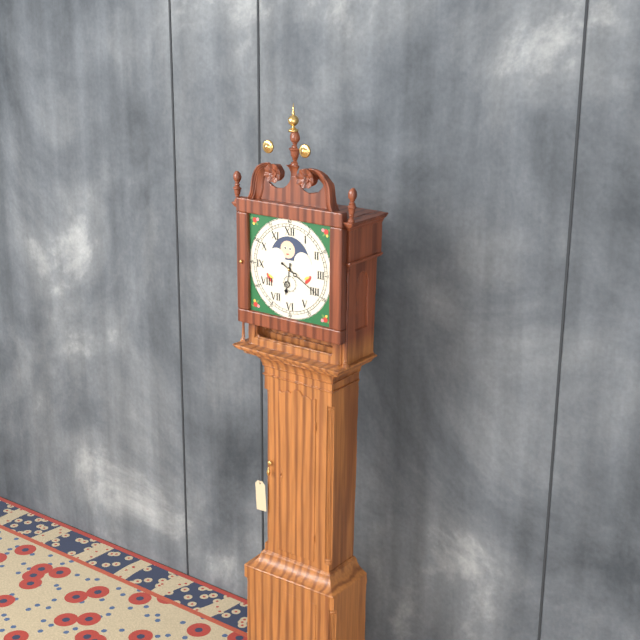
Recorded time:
6,20
